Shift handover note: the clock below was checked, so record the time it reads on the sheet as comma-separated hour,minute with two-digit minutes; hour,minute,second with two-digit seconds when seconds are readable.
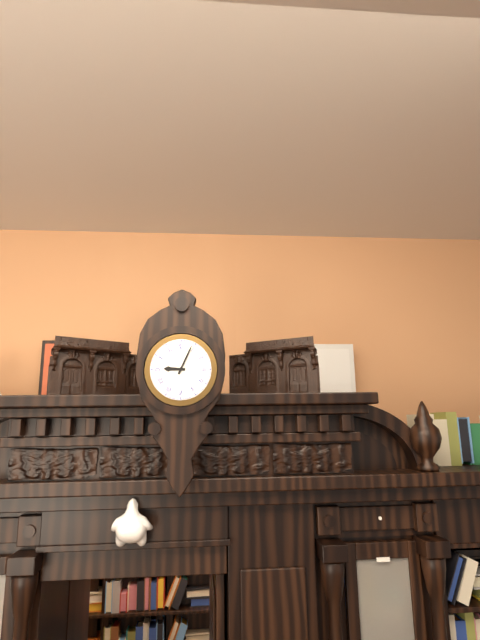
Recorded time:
9,04
